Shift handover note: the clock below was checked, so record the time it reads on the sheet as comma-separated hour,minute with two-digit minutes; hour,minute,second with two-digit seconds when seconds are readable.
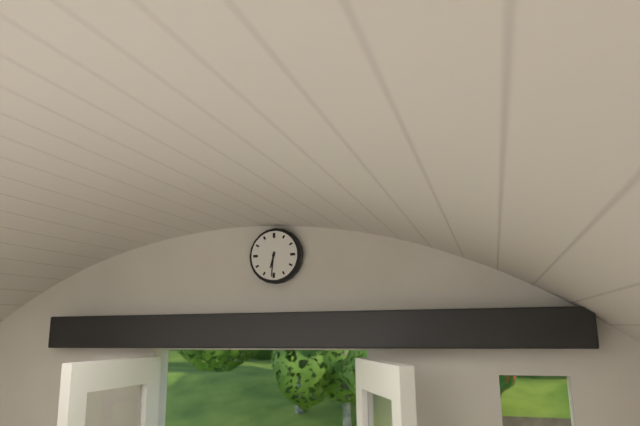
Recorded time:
6,31
